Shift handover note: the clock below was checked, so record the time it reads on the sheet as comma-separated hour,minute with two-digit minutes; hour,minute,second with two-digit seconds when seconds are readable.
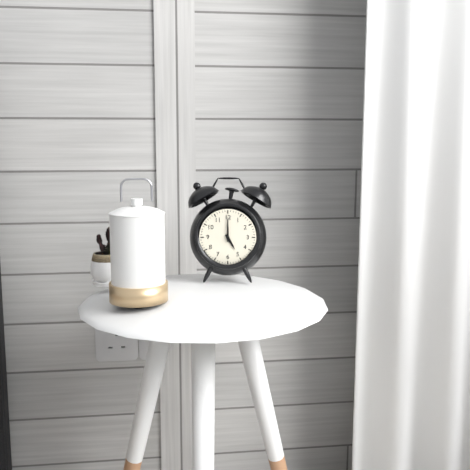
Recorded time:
5,00
